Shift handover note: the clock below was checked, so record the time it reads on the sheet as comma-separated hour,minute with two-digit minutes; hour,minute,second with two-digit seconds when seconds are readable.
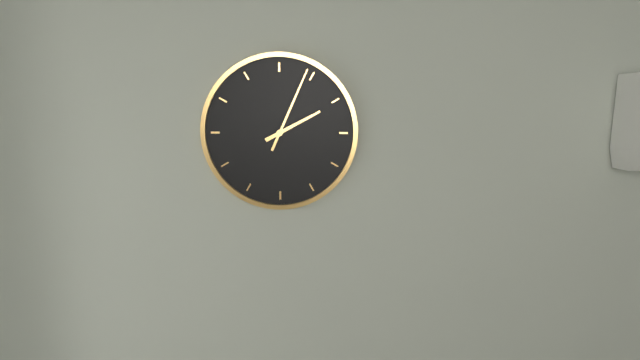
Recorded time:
2,04
